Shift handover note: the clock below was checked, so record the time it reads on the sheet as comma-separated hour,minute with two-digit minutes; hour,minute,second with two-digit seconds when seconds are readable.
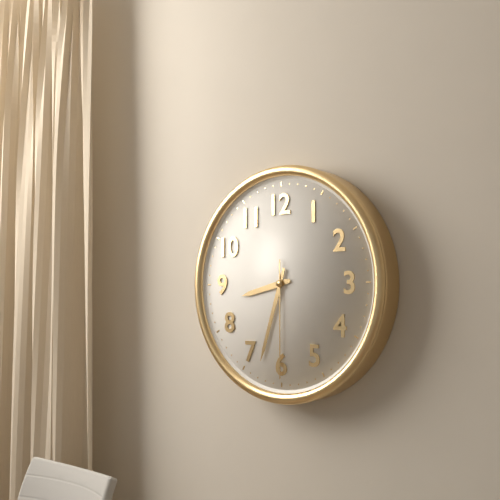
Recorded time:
8,33,30
